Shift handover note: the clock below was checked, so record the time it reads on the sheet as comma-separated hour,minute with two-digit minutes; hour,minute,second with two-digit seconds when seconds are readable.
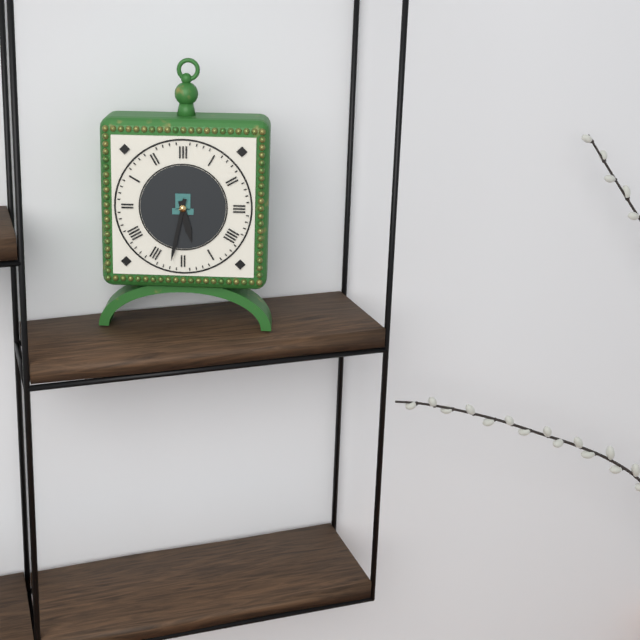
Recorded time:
5,32
